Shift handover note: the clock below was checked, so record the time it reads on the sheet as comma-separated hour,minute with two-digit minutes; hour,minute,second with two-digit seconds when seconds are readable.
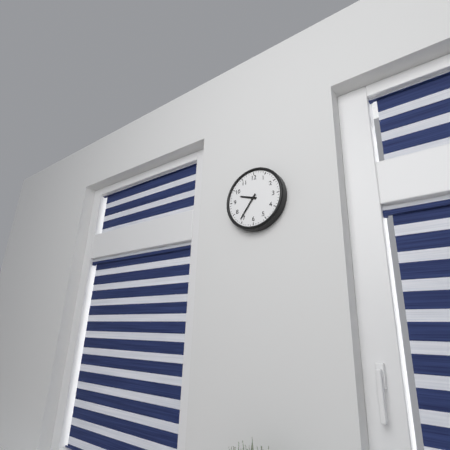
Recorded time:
9,36
